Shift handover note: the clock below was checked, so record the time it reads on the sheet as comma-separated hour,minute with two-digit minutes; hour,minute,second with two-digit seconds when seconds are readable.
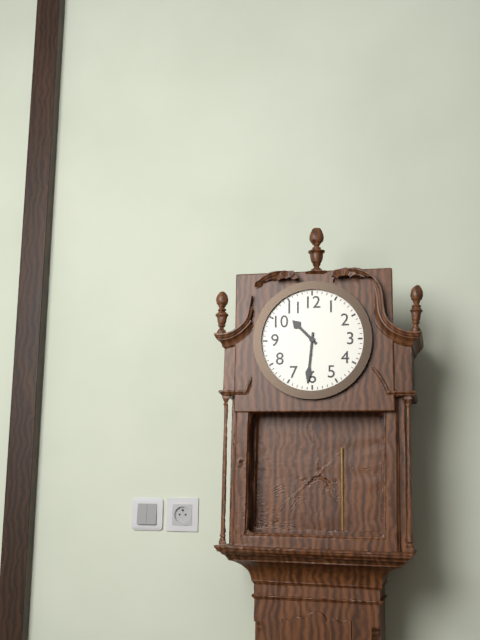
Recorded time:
10,31
